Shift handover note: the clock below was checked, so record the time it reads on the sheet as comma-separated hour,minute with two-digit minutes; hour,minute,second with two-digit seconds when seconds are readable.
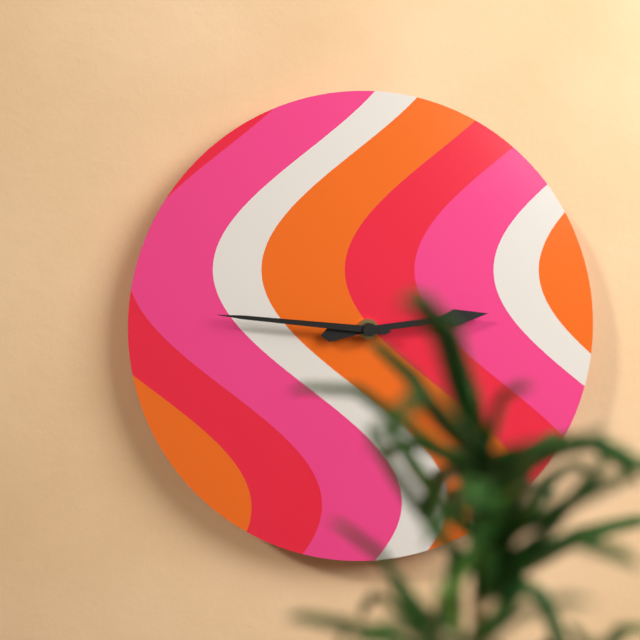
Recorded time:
2,46
